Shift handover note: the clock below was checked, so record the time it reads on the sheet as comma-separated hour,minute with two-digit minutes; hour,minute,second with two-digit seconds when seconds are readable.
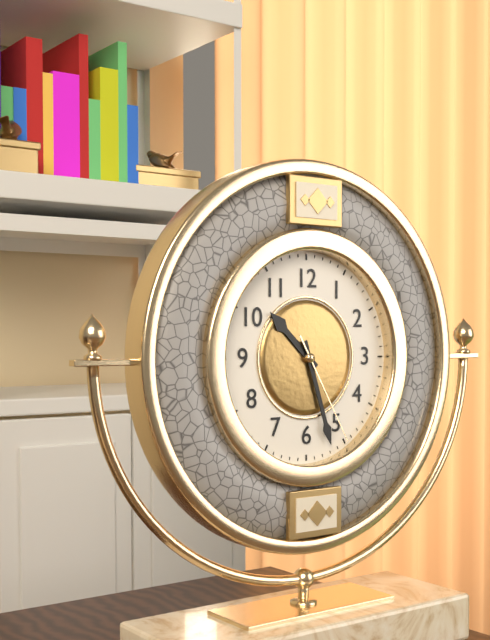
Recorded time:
10,27,25
